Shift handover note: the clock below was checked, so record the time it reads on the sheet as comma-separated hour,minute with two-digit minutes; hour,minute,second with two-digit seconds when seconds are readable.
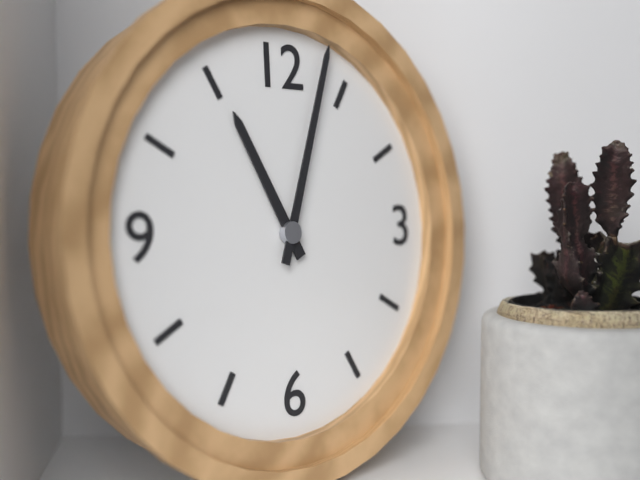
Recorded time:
11,03
